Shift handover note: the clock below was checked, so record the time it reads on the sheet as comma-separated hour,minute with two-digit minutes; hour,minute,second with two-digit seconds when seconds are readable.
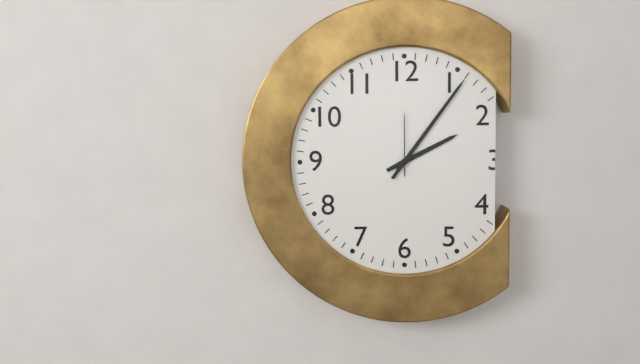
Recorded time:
2,06,00
